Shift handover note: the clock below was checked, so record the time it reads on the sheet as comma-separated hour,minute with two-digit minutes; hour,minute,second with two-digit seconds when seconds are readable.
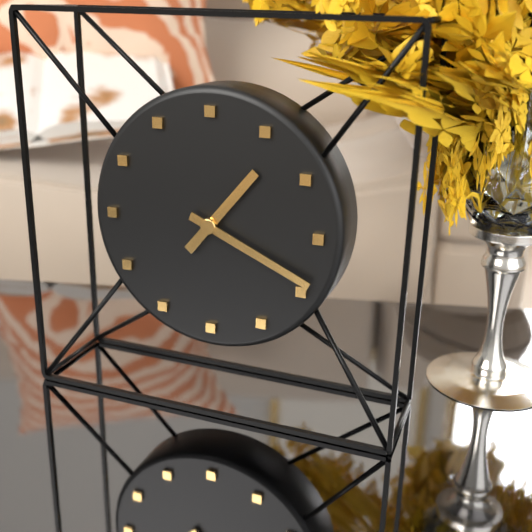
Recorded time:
1,19
